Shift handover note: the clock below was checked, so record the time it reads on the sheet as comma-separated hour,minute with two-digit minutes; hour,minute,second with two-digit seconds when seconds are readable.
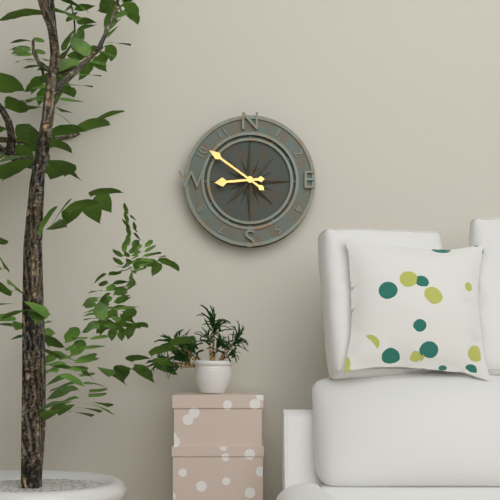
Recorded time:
8,51
